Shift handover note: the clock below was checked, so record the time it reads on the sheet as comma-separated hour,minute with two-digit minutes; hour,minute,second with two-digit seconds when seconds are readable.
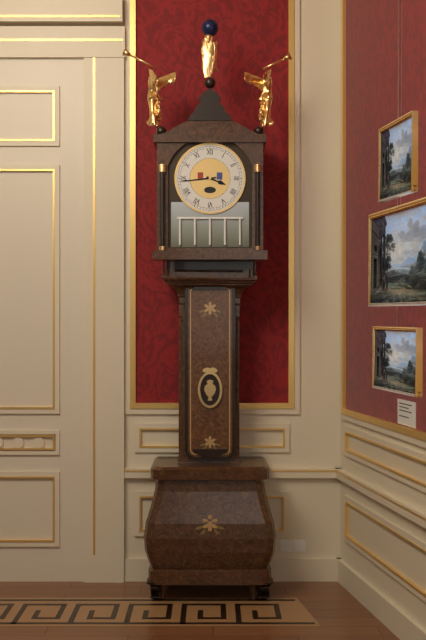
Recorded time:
3,44
